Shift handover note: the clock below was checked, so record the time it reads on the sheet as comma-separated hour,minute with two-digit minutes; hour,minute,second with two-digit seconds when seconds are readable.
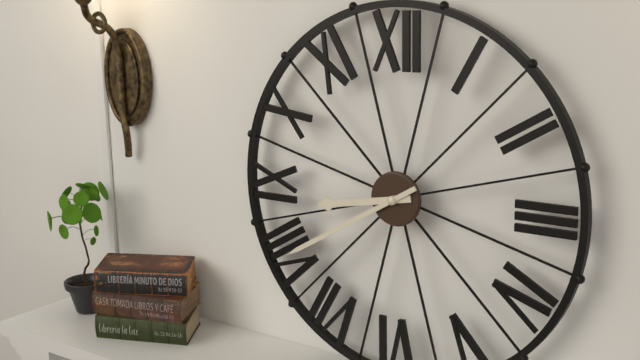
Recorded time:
8,40
